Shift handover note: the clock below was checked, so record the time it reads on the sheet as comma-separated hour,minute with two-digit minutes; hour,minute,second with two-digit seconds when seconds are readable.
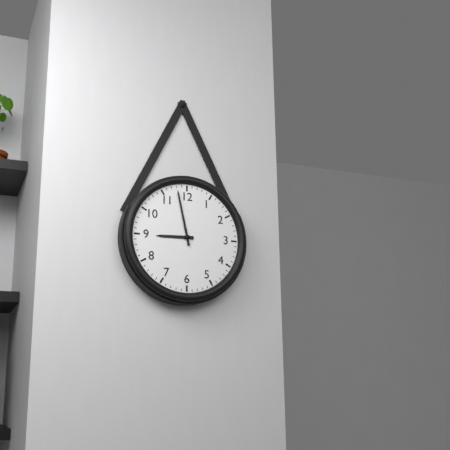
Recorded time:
8,58
